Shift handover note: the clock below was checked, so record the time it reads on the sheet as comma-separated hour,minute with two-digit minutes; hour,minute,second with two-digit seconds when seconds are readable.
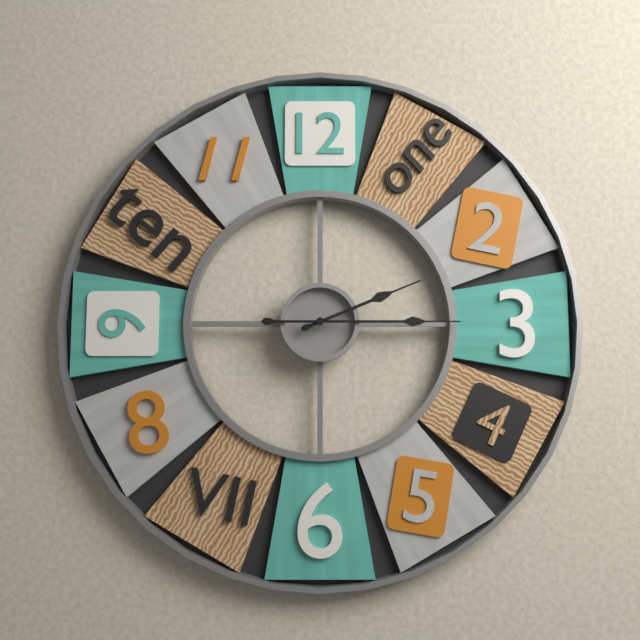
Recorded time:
2,15
